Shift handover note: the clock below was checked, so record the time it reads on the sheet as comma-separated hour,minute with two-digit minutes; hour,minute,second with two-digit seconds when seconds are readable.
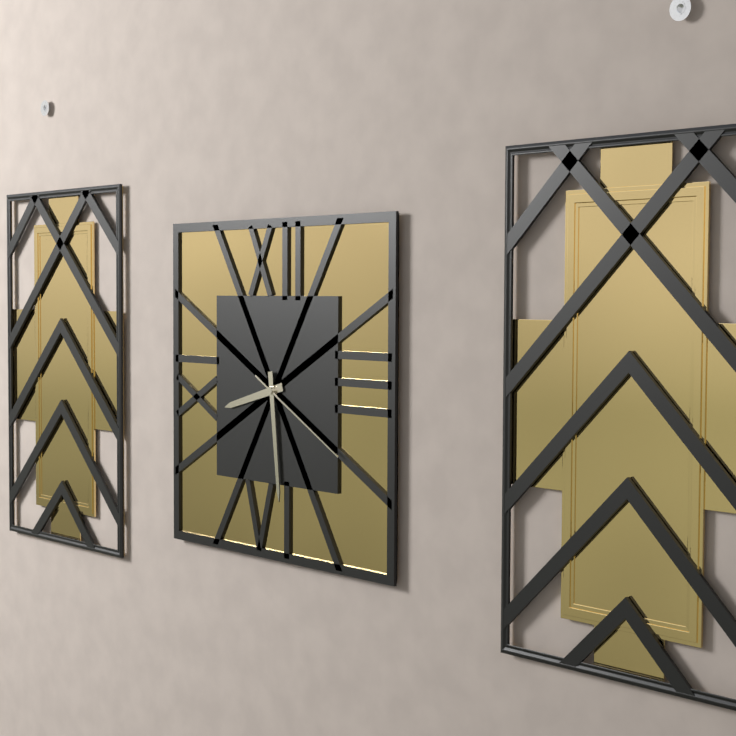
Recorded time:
8,29,20
